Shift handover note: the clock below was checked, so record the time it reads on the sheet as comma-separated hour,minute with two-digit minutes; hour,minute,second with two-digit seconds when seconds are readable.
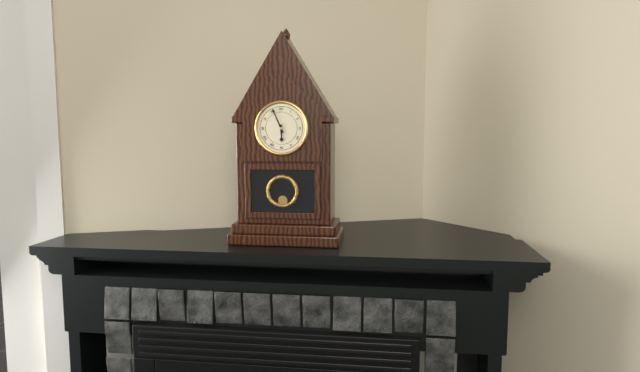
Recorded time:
5,56
